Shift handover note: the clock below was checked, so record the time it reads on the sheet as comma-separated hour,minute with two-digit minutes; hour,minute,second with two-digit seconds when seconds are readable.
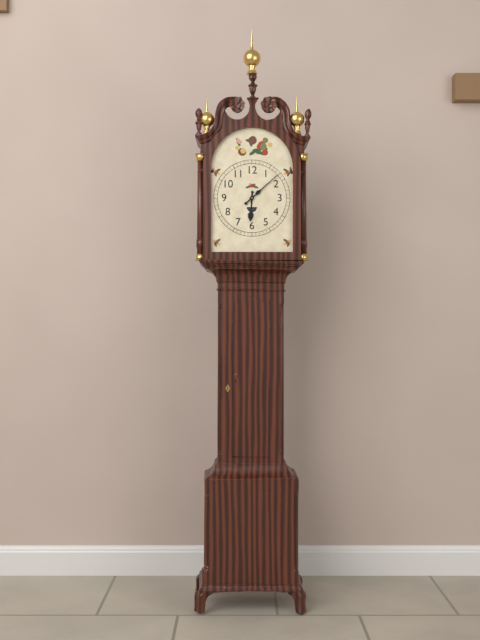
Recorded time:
6,08
